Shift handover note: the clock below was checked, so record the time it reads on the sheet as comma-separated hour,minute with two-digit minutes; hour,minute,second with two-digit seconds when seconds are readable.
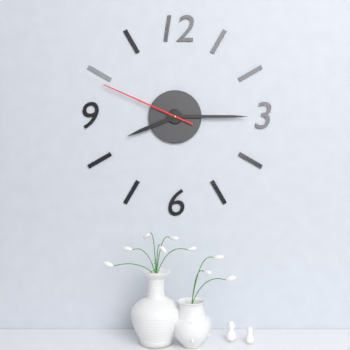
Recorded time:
8,15,49
